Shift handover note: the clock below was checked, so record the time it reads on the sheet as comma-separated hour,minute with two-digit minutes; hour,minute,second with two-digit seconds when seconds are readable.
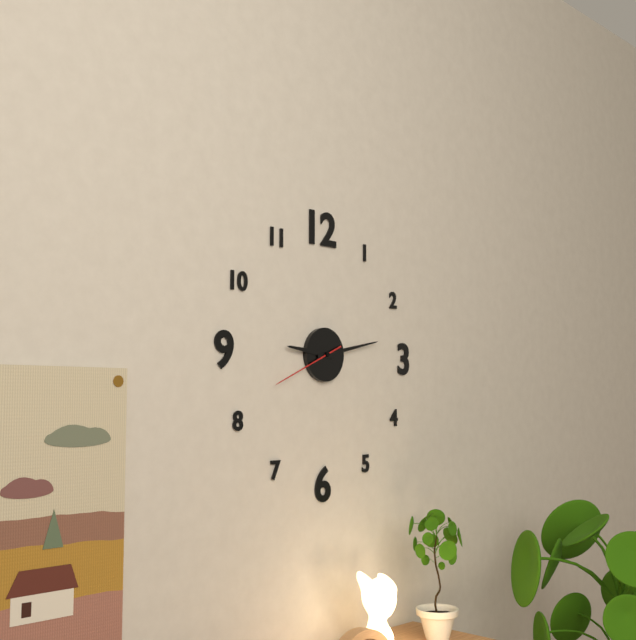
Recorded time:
9,13,41
